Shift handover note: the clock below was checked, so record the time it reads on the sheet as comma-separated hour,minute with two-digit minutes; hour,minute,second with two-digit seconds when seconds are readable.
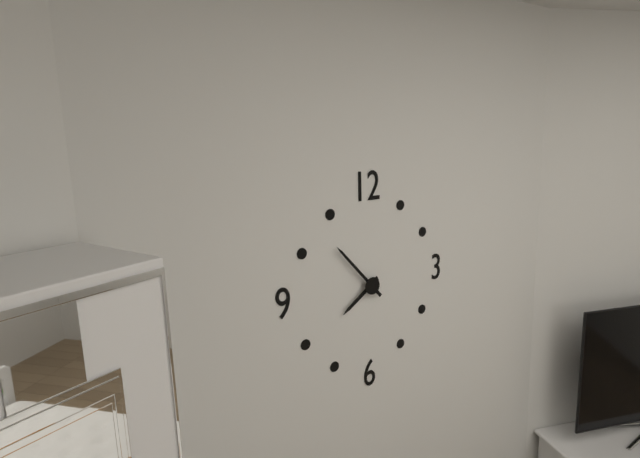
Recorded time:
7,53
